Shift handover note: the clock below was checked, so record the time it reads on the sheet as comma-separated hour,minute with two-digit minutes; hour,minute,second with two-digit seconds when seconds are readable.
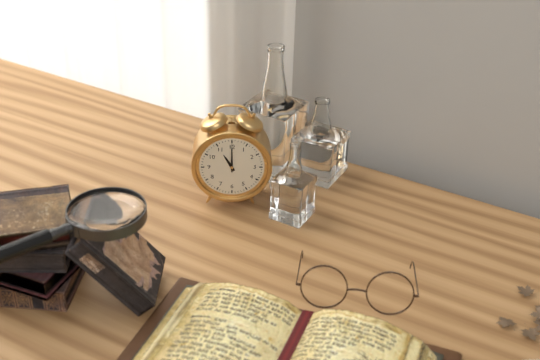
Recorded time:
11,00
